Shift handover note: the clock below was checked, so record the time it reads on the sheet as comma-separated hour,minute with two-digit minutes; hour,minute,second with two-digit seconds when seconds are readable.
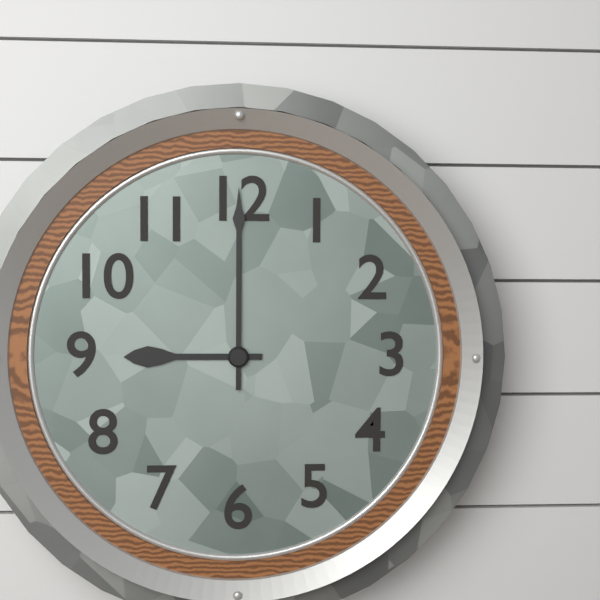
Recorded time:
9,00
